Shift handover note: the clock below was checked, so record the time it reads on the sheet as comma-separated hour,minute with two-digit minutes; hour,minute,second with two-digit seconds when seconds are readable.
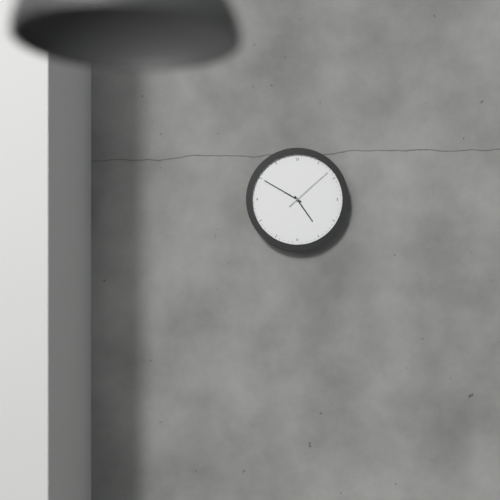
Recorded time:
4,50,08
